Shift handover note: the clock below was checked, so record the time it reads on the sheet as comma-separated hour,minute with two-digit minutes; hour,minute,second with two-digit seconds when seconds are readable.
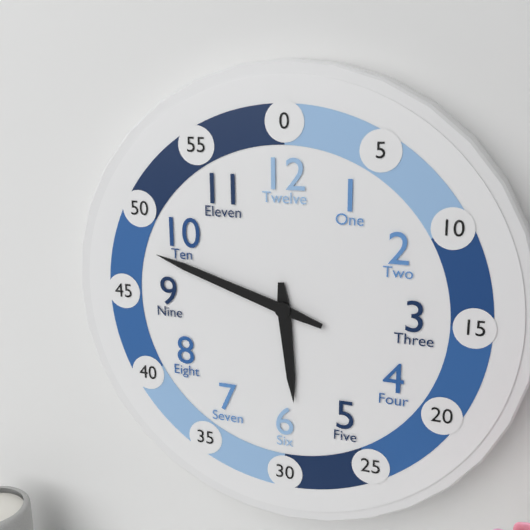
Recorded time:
5,48
